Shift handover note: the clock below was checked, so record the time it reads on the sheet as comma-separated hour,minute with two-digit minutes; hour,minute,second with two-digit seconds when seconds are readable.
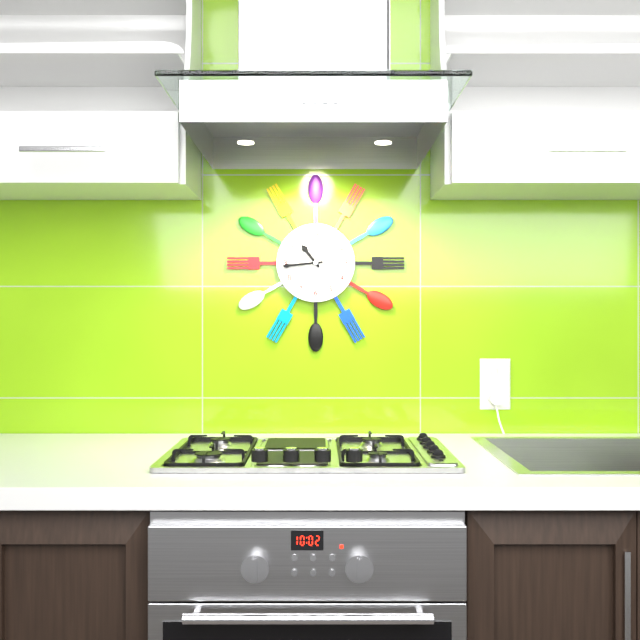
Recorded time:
10,44
